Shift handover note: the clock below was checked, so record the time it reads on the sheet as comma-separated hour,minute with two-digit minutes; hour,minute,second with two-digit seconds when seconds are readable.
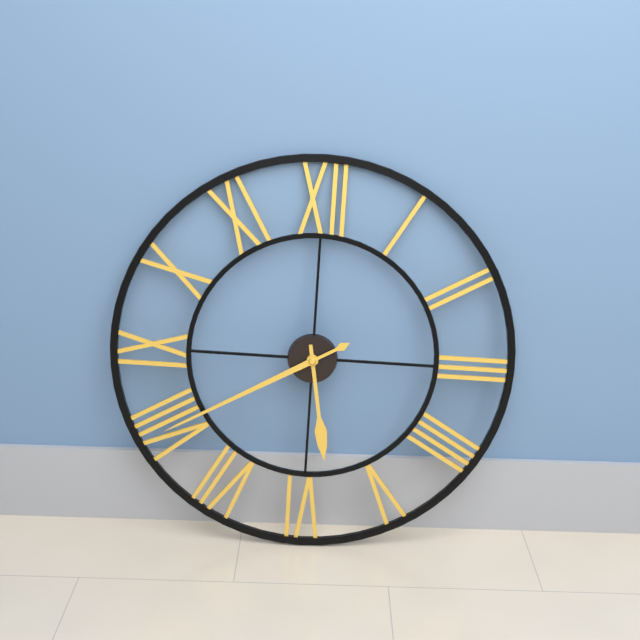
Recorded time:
5,40
